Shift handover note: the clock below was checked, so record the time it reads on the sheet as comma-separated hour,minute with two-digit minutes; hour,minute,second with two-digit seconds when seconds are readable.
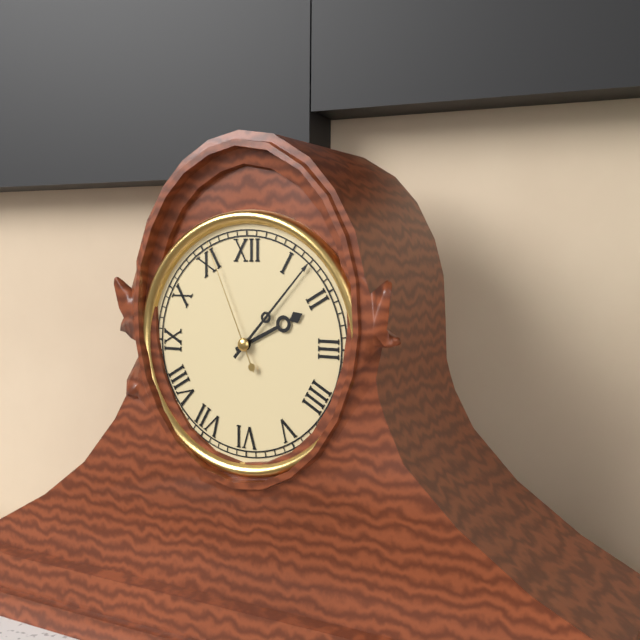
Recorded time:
2,07,56
